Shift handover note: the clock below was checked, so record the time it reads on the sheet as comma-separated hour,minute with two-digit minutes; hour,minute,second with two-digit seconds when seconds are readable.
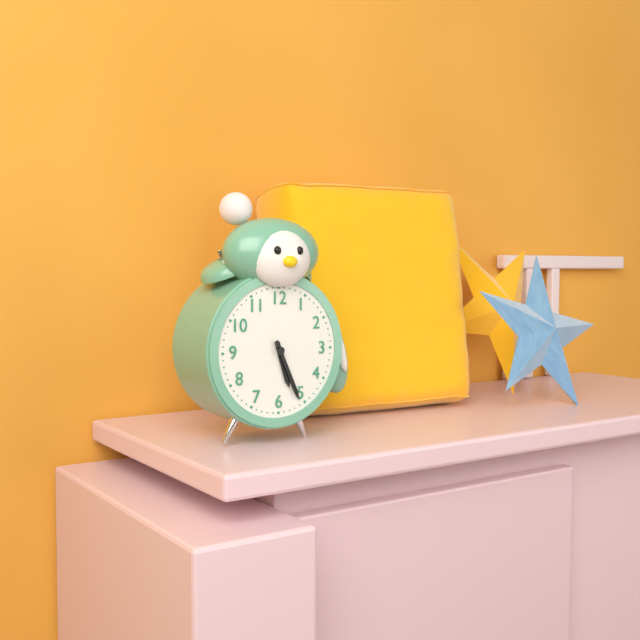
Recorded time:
5,26
